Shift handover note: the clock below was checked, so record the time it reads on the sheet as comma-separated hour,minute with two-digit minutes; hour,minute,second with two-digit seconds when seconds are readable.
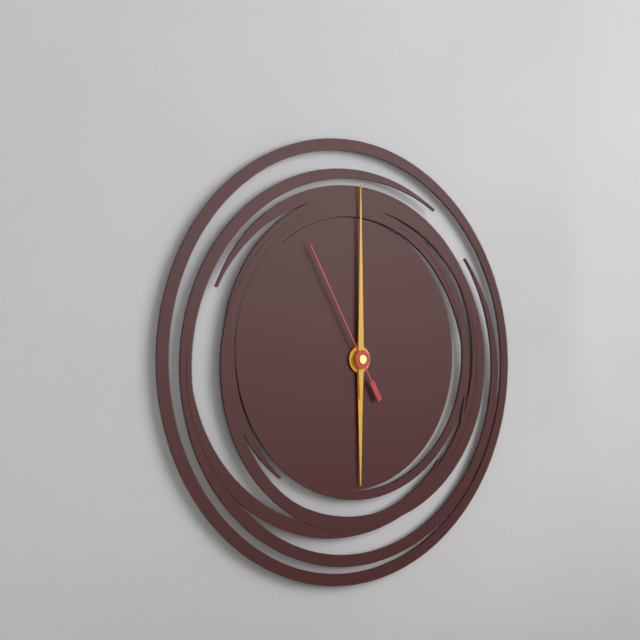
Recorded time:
6,00,55
